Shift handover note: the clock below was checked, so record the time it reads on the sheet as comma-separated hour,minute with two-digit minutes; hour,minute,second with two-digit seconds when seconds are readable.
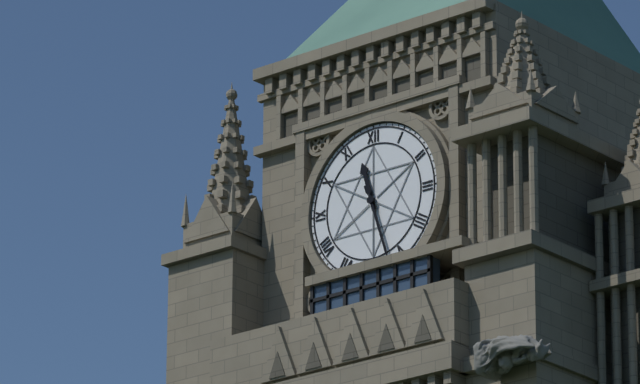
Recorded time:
11,27
